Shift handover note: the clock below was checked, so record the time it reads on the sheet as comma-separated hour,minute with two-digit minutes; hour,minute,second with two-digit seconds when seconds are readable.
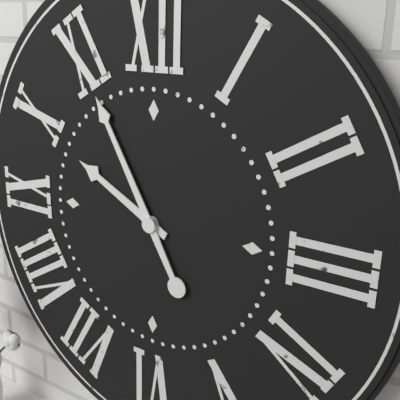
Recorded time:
9,55
